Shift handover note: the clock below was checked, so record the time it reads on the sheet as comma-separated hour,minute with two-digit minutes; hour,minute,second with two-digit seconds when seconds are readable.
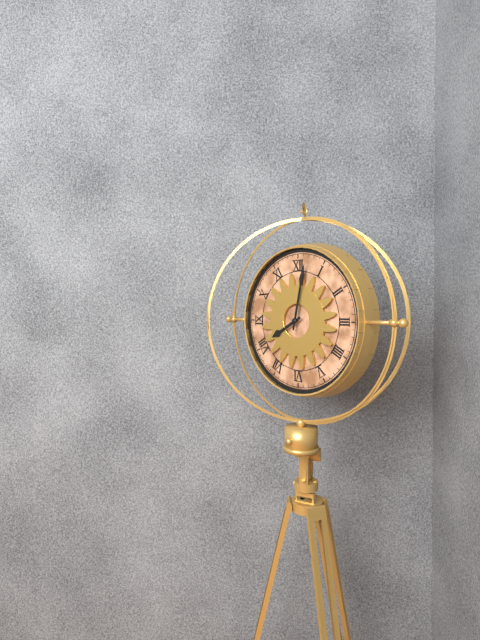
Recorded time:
8,02
